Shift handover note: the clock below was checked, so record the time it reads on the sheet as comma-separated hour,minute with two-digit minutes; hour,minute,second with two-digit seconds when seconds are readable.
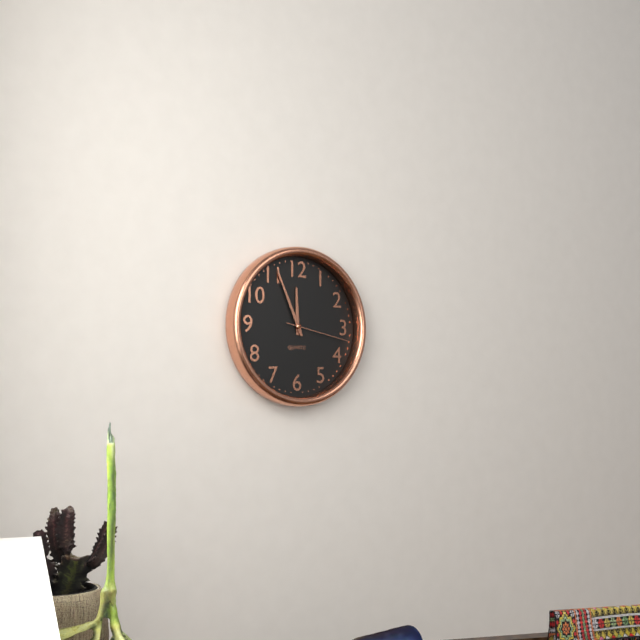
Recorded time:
11,56,17
